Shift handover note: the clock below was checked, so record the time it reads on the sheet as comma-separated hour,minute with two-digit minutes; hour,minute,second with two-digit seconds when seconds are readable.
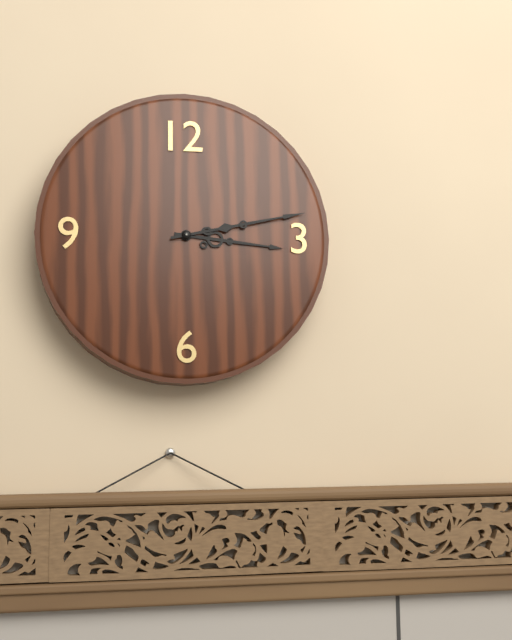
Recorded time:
3,13
